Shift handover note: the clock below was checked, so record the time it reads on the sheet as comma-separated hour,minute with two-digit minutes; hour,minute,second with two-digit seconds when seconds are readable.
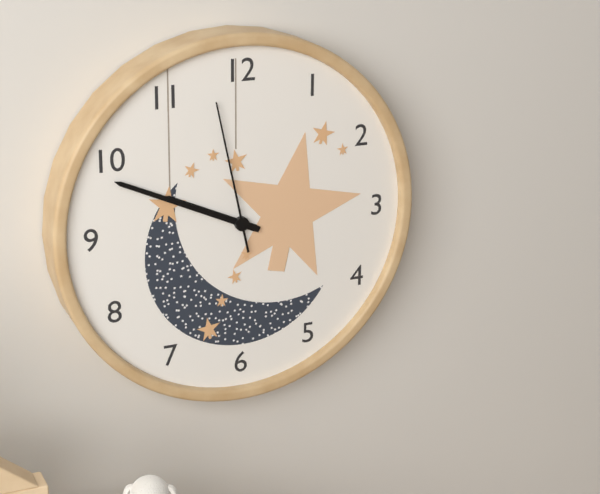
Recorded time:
9,49,58
